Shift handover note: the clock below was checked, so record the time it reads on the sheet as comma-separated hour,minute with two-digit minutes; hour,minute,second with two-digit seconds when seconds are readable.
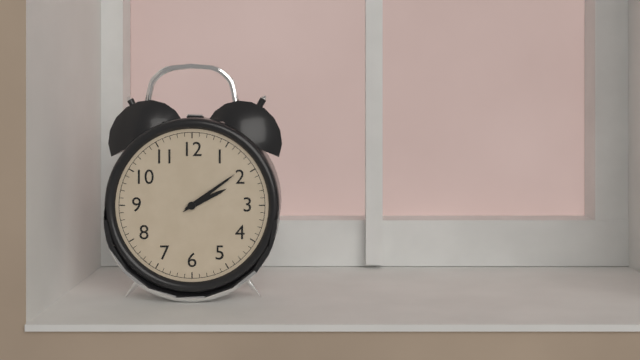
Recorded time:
2,09
